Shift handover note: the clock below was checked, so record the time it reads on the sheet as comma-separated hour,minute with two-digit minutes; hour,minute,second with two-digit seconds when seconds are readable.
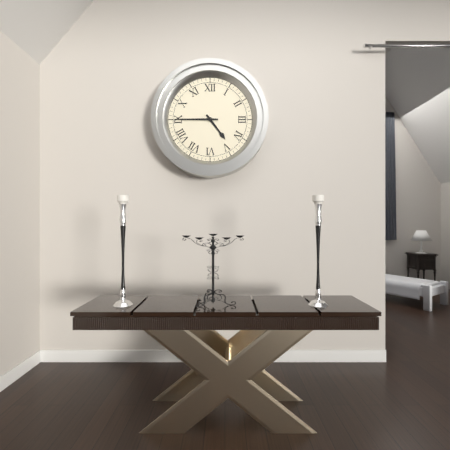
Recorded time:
4,45
